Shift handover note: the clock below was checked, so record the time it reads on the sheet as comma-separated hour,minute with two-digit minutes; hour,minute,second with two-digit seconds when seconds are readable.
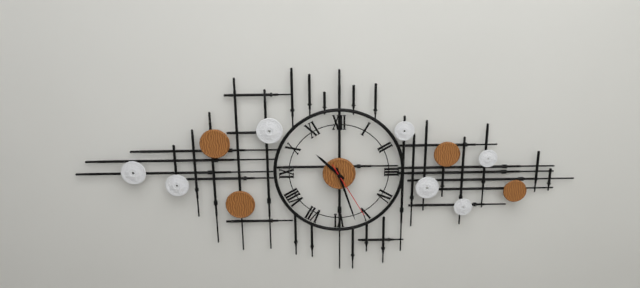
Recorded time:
10,27,25
